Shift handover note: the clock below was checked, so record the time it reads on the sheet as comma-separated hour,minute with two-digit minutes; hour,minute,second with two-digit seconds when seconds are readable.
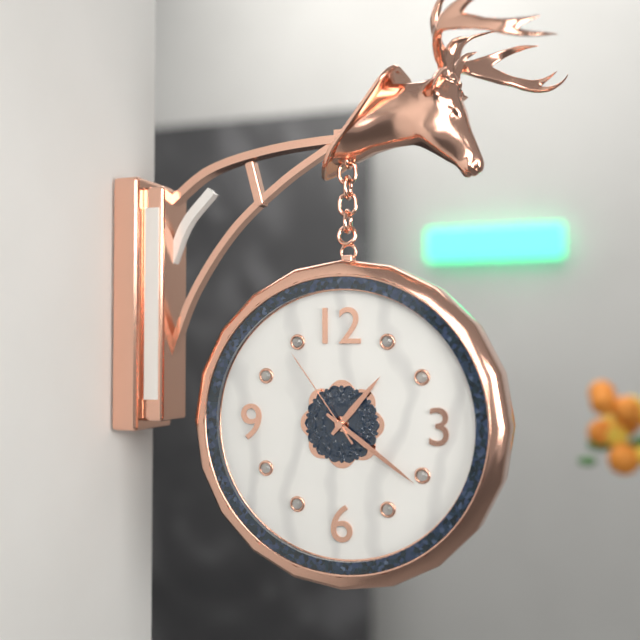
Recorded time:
1,21,54
